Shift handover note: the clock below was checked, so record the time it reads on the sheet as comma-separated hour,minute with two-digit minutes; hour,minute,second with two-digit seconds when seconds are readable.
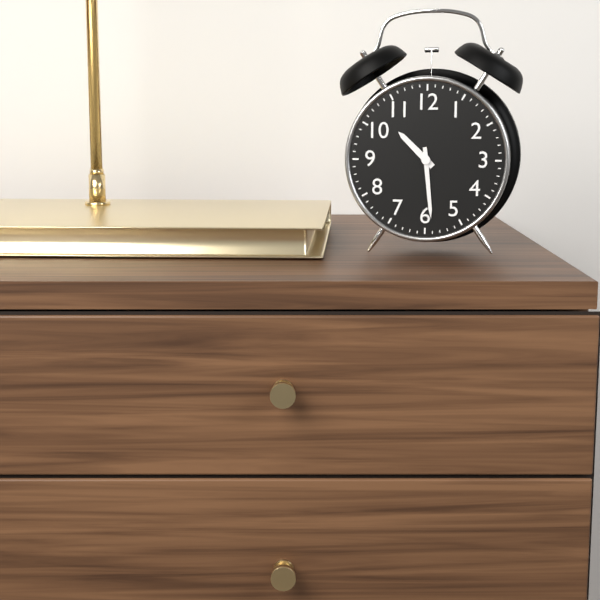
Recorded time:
10,29
